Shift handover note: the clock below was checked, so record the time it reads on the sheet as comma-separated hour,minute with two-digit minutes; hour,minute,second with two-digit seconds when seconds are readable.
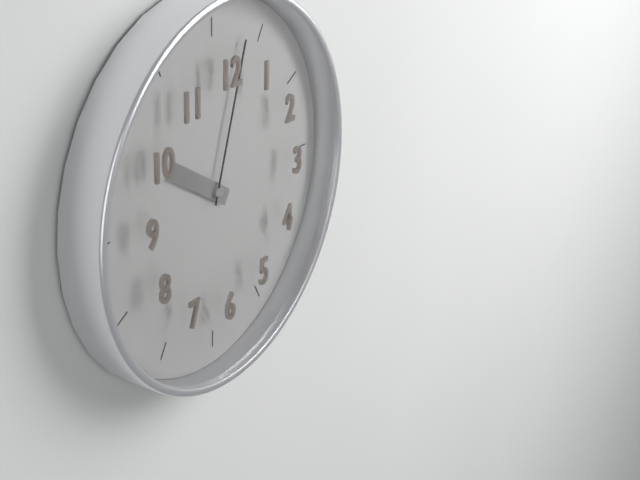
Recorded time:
10,03
